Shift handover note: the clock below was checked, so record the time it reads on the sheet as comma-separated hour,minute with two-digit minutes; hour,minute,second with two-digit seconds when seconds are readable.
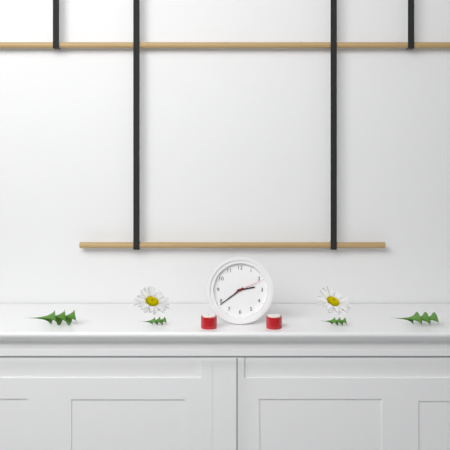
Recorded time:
2,39
